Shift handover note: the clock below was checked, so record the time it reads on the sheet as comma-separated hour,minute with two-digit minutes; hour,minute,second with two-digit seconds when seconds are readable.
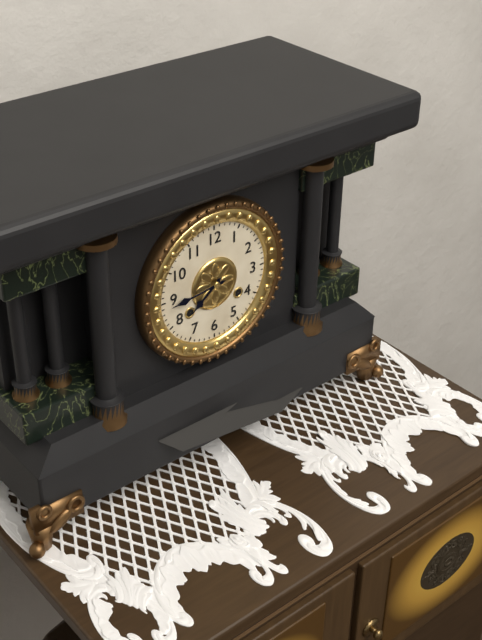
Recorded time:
7,44
